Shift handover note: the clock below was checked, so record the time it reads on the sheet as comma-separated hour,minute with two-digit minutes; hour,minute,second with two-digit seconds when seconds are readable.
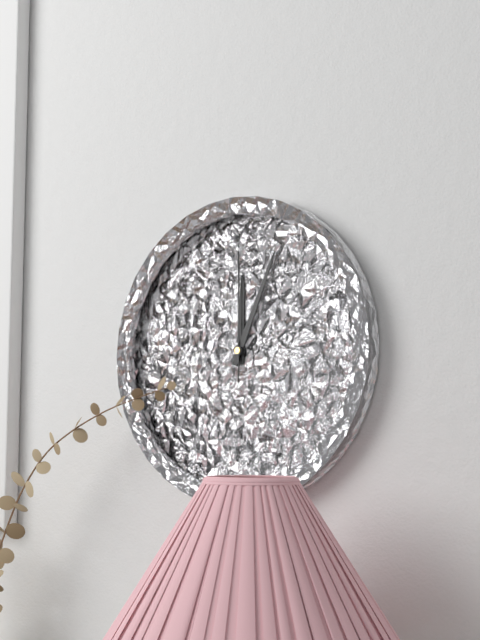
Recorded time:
12,04,00
